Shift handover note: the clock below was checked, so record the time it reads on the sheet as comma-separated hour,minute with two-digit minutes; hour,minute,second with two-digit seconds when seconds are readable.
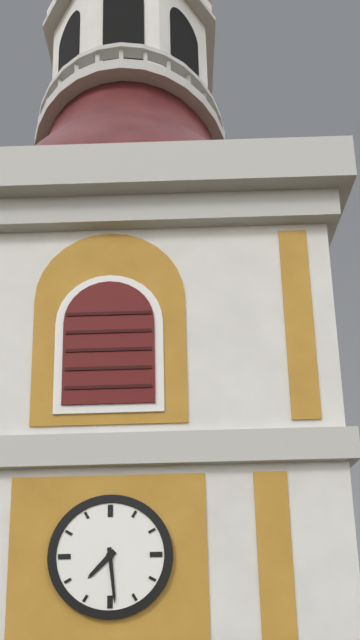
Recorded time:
7,29
